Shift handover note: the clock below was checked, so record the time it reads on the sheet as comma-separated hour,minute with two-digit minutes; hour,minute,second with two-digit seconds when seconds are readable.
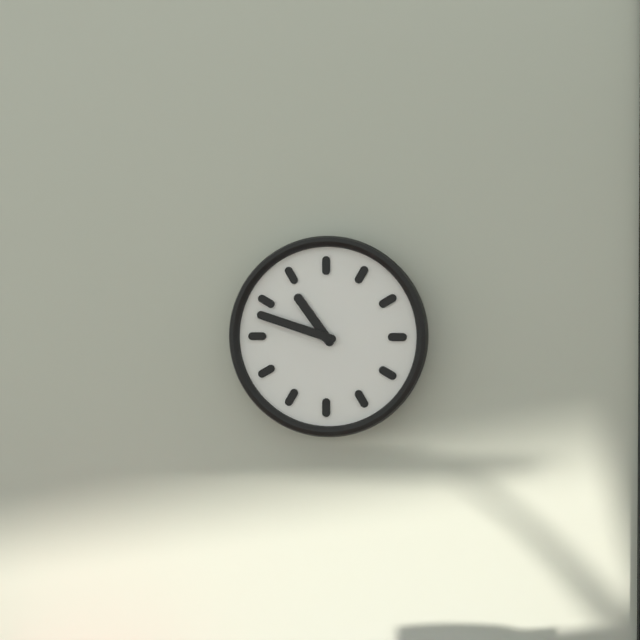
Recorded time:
10,48
